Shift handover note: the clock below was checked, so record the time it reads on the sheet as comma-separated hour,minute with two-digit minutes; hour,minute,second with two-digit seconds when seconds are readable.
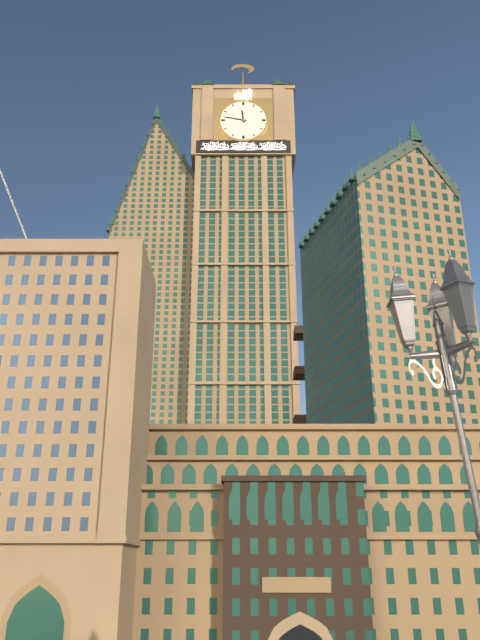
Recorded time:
11,47
